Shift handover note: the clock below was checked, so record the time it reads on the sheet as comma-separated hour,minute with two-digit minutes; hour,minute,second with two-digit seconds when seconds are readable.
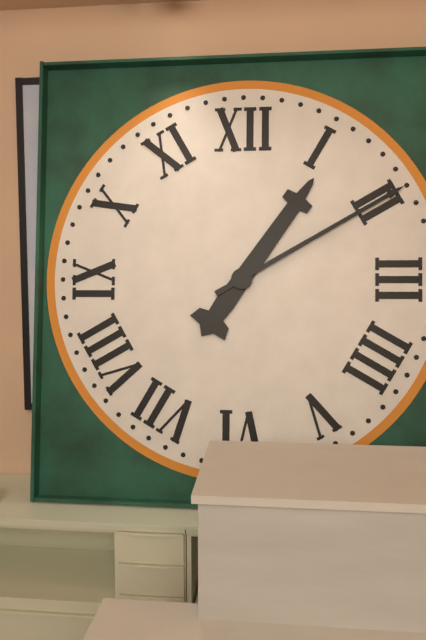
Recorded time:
1,10
